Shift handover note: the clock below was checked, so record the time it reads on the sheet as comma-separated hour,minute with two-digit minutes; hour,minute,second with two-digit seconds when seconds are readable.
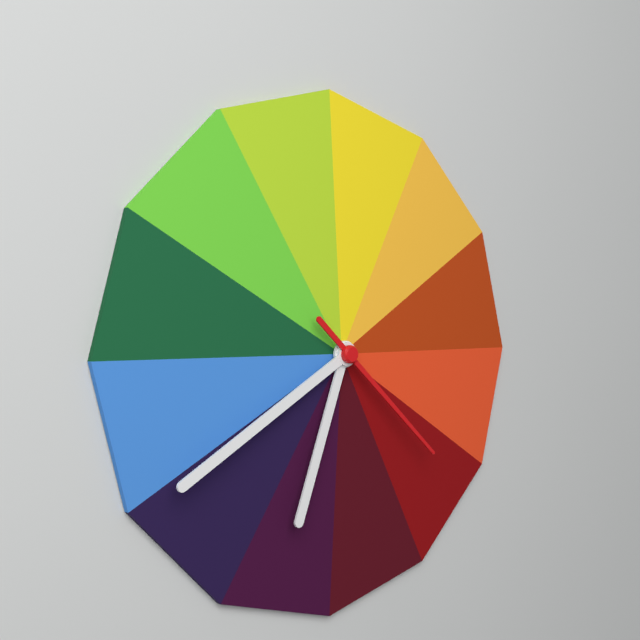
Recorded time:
6,40,22
